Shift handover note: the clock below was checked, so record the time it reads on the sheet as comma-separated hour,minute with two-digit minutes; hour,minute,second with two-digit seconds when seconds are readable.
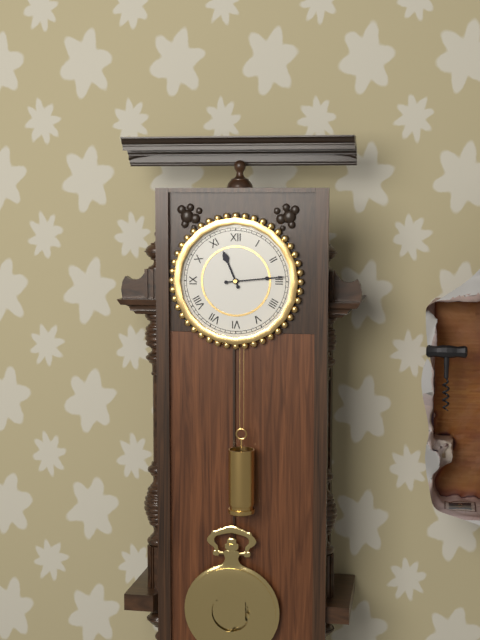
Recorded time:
11,14
